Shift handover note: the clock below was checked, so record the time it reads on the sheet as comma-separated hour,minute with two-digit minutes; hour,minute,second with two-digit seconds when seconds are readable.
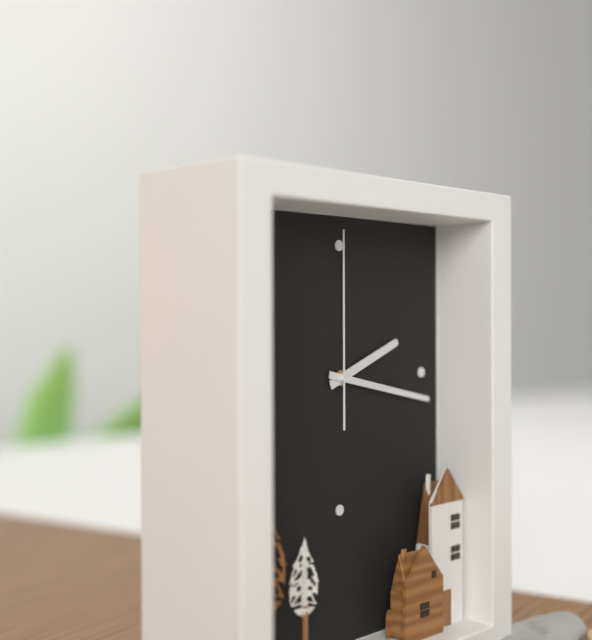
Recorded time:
2,17,00
